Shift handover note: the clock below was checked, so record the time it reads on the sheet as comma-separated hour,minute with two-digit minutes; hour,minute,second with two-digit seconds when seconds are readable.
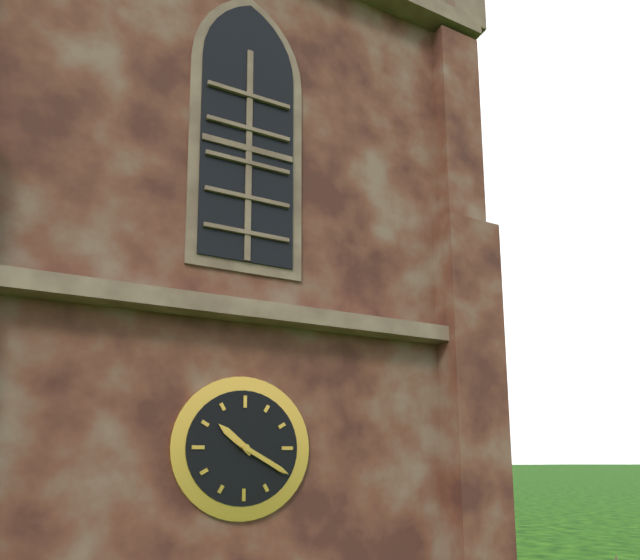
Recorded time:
10,20
